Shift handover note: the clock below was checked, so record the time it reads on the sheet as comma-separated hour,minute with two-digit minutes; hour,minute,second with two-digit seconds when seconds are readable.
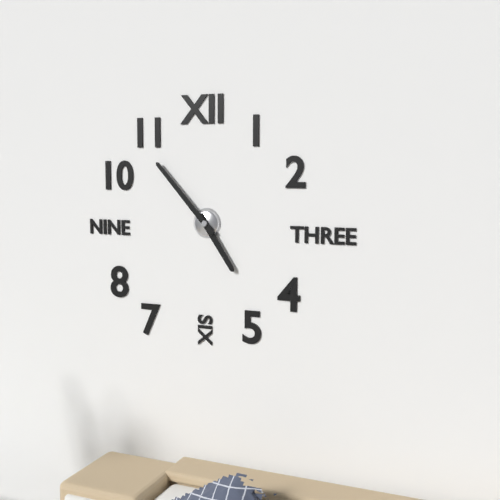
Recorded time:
4,53
